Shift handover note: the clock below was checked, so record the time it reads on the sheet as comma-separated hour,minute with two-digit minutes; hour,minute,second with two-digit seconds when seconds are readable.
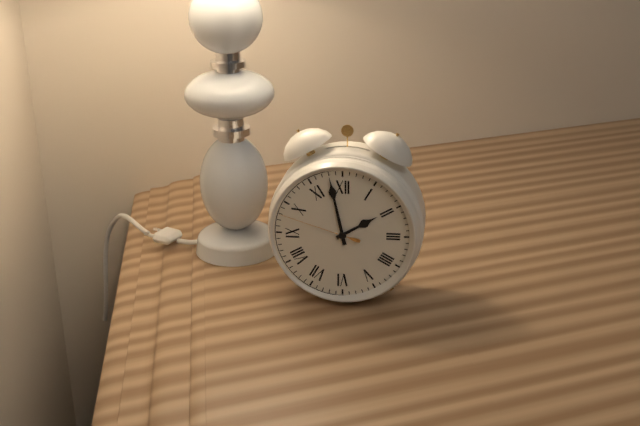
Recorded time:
1,58,48
